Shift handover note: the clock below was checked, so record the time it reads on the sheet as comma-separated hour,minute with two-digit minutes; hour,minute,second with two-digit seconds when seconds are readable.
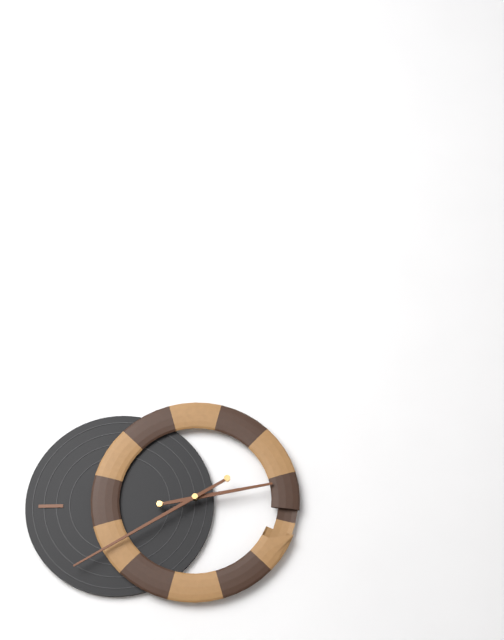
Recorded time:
2,40
